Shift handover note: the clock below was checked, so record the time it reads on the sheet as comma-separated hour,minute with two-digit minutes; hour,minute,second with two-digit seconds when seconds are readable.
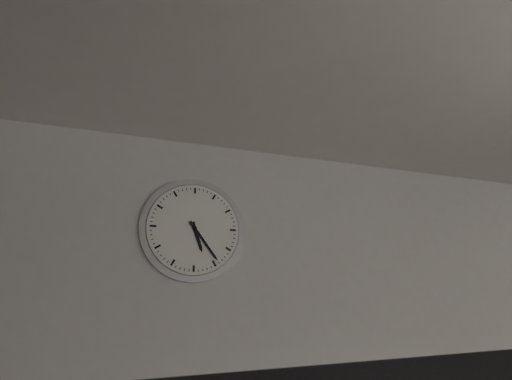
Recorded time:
5,24
